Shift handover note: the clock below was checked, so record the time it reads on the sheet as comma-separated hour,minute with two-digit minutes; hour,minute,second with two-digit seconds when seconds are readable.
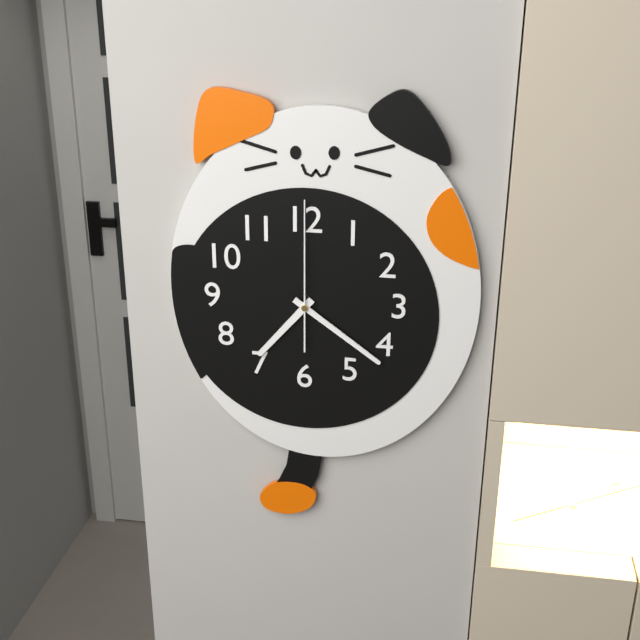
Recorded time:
7,21,00
